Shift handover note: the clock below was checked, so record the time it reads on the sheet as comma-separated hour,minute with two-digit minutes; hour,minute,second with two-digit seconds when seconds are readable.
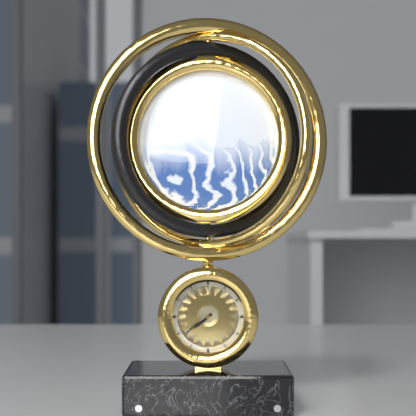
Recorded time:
7,39
